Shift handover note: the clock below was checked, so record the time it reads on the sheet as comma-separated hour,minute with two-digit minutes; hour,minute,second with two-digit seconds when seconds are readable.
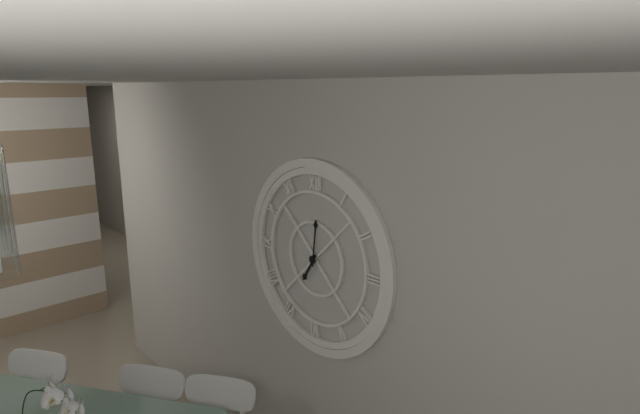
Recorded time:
7,01
